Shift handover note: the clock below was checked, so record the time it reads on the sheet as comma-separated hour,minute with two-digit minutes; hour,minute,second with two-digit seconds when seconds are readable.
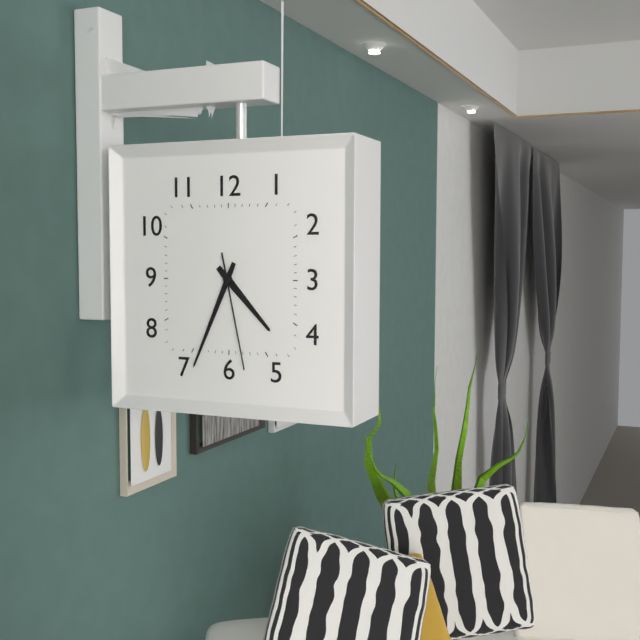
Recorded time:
4,34,28
